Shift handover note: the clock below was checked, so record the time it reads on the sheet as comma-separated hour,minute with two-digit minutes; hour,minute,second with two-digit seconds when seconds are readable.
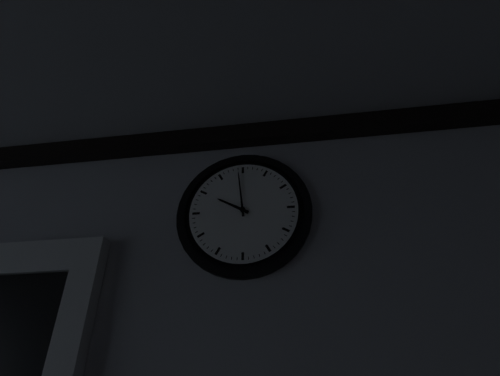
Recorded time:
9,59
